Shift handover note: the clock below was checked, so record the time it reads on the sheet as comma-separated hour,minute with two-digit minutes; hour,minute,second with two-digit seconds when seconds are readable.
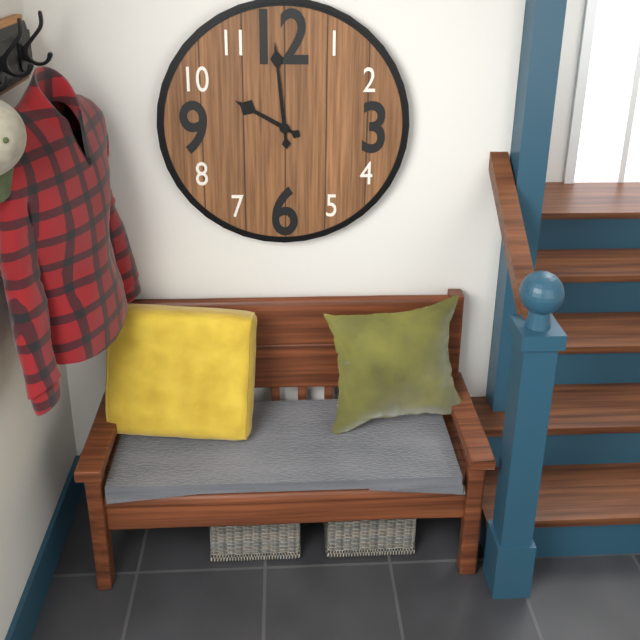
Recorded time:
9,59
